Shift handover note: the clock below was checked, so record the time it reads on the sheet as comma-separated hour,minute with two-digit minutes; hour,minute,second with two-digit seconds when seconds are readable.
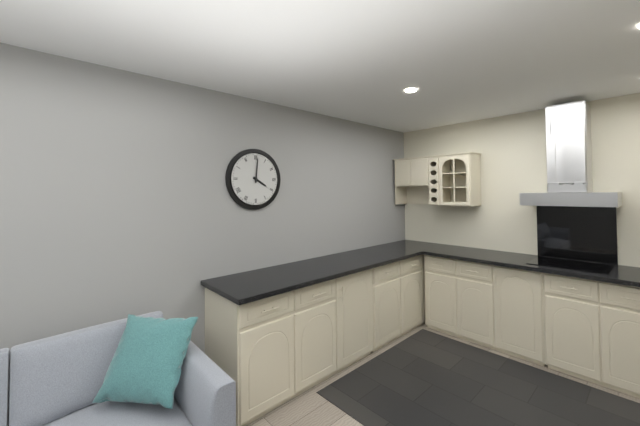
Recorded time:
4,01
